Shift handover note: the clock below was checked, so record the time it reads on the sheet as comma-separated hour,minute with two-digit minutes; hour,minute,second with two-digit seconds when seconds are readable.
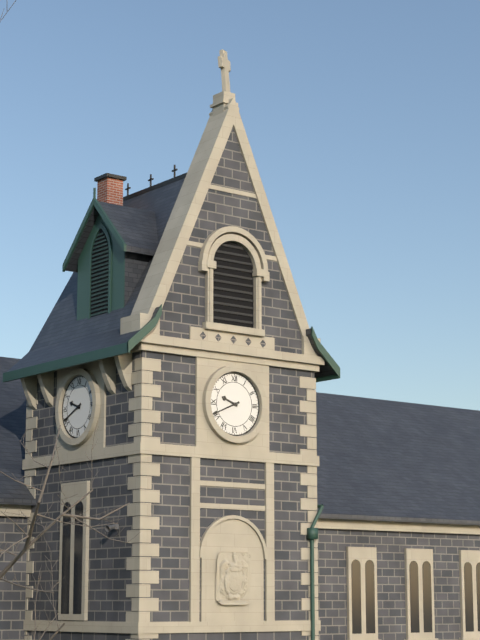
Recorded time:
9,41
